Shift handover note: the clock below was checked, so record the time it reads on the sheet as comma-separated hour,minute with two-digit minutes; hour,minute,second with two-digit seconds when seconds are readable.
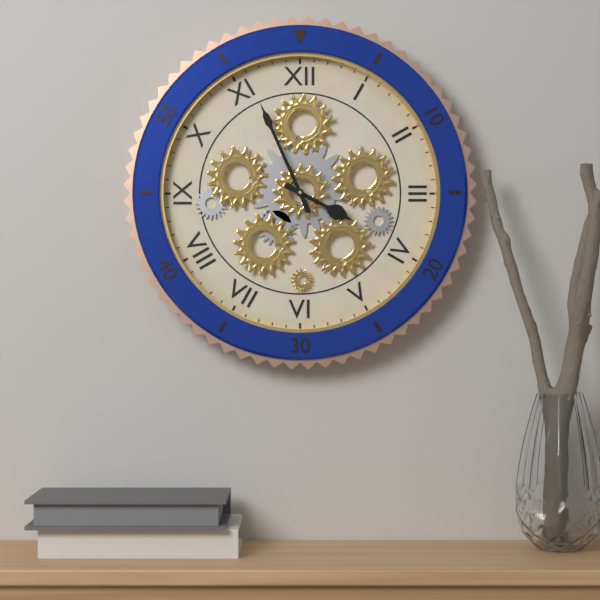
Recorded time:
3,56
